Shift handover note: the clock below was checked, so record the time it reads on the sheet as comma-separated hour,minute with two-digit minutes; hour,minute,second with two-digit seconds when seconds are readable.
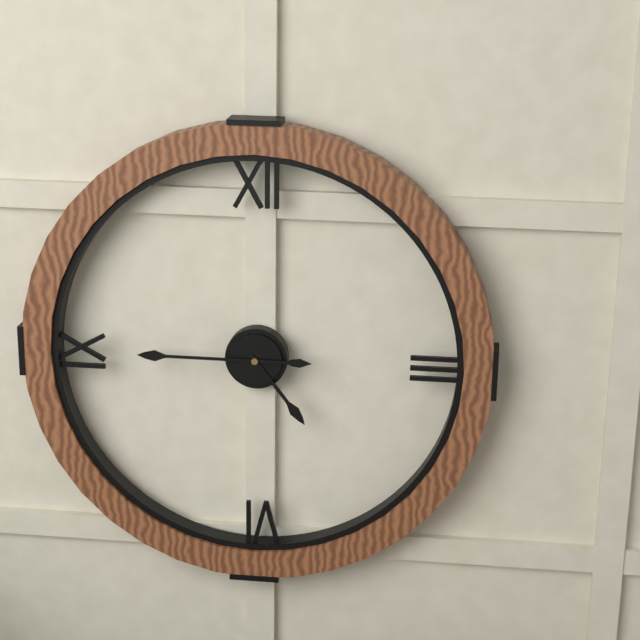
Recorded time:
4,45
